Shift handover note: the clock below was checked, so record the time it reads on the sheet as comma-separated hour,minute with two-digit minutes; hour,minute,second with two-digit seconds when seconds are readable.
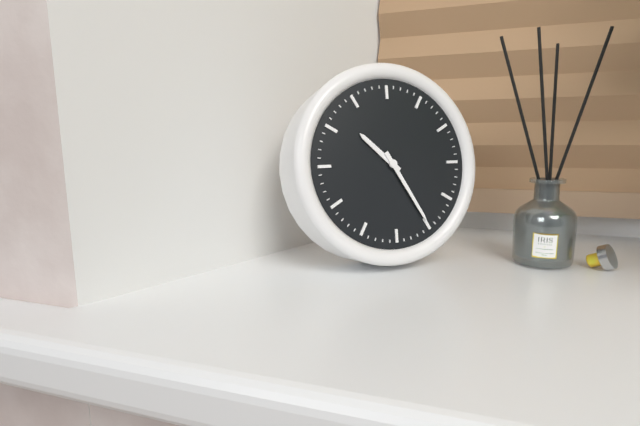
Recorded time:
10,25
